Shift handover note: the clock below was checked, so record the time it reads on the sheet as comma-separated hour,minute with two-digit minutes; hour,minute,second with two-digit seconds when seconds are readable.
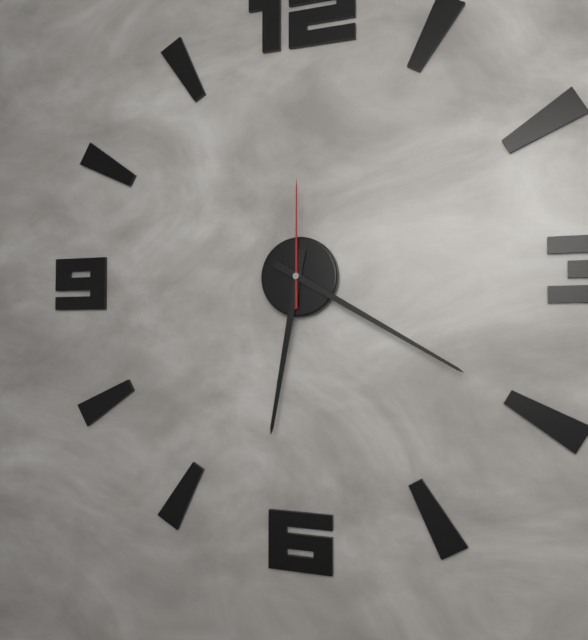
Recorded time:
6,20,00
